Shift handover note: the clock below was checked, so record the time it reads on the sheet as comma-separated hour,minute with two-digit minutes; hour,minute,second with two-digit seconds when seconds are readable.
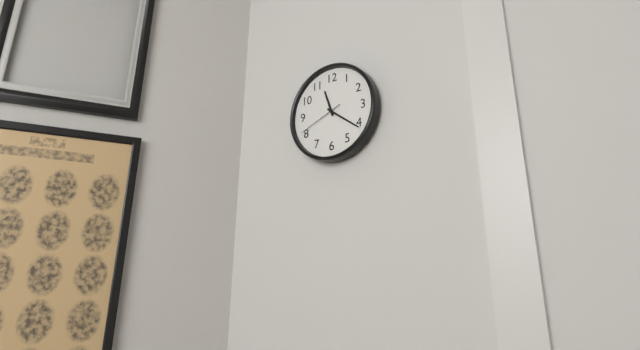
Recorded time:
11,21
